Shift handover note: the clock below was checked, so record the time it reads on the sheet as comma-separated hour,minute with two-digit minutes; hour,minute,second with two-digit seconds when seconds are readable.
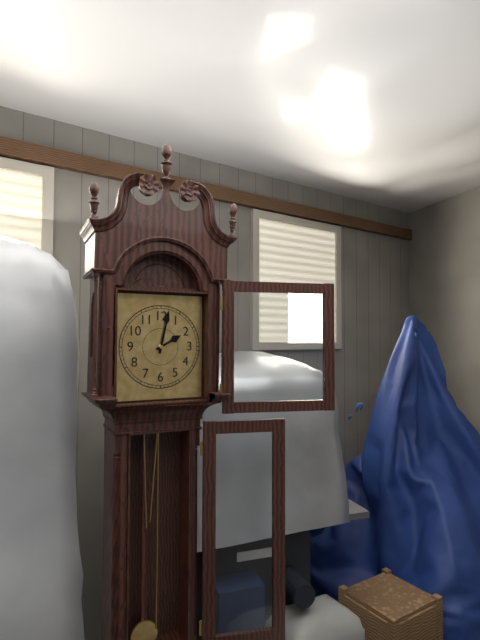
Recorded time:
2,02
